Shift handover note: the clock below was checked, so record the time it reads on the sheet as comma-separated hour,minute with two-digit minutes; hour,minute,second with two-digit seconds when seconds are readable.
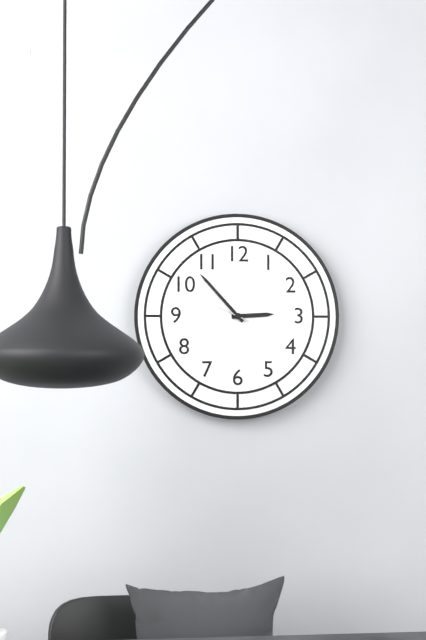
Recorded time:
2,53,49
